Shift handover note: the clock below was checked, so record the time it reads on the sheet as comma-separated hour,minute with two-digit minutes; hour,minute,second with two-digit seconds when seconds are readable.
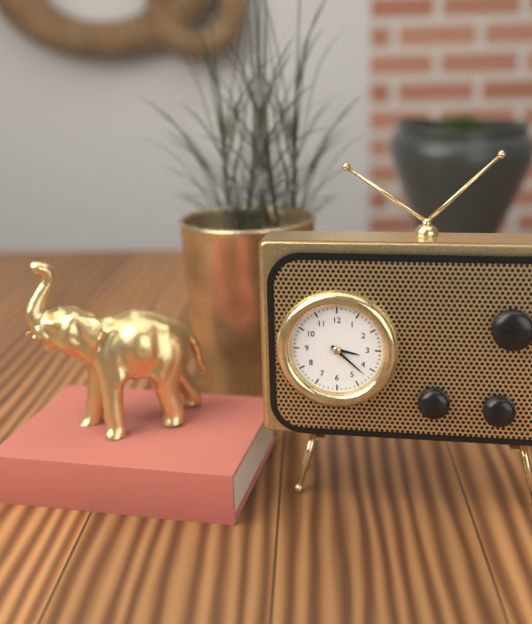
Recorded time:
3,22
